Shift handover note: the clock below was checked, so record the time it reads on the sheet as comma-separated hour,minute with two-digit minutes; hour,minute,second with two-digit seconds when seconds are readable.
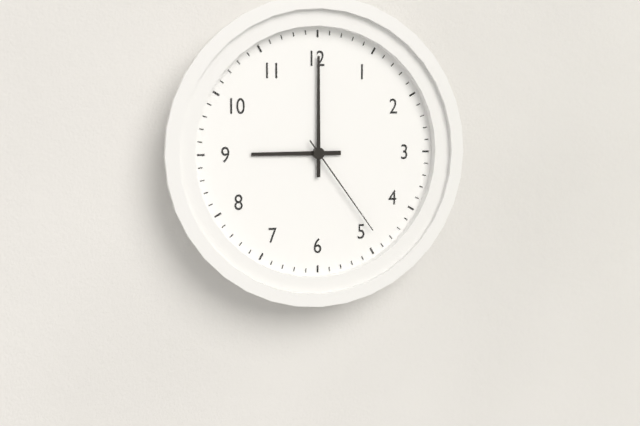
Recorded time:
9,00,24
